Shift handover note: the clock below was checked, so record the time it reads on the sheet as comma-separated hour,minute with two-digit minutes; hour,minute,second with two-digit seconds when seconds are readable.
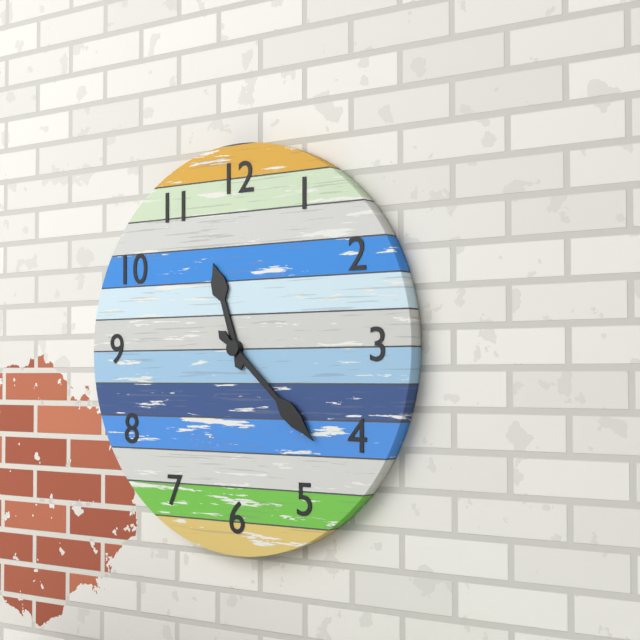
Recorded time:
11,22
